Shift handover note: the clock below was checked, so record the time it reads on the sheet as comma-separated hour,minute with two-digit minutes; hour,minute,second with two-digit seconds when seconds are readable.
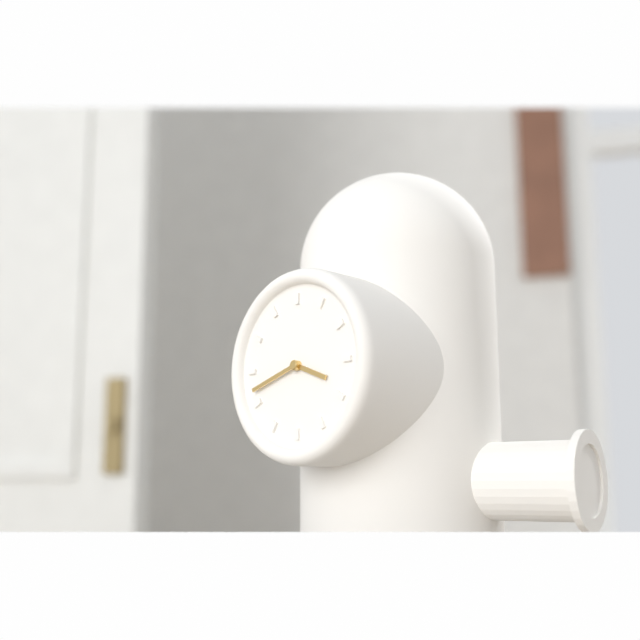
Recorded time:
3,42
